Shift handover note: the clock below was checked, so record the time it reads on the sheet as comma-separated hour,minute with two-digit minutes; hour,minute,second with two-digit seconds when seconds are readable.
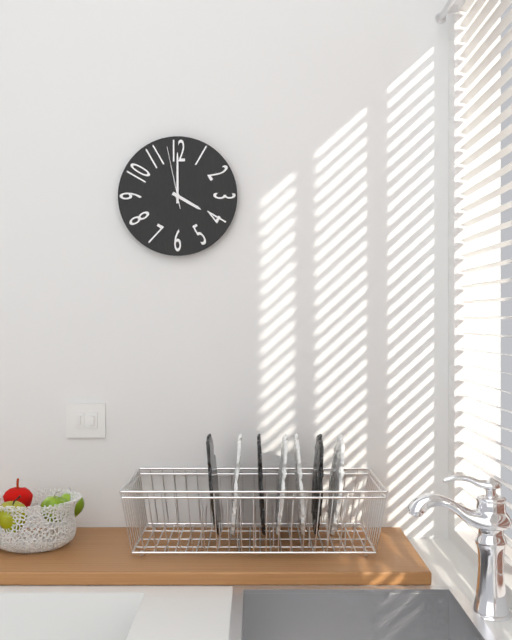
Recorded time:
4,00,58
